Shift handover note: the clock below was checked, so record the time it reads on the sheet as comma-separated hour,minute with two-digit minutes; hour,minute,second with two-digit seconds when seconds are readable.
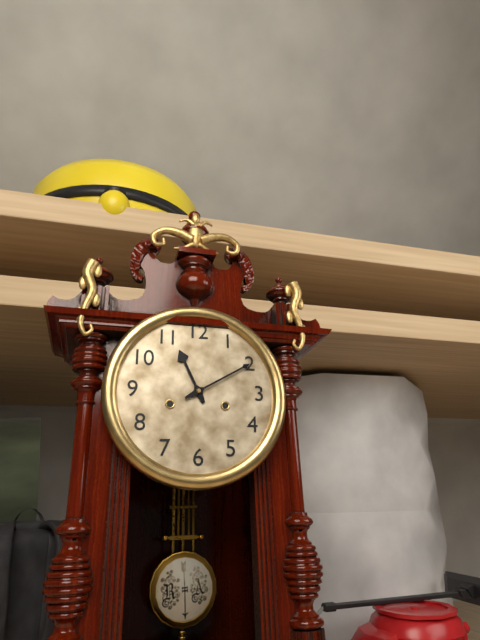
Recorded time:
11,10
